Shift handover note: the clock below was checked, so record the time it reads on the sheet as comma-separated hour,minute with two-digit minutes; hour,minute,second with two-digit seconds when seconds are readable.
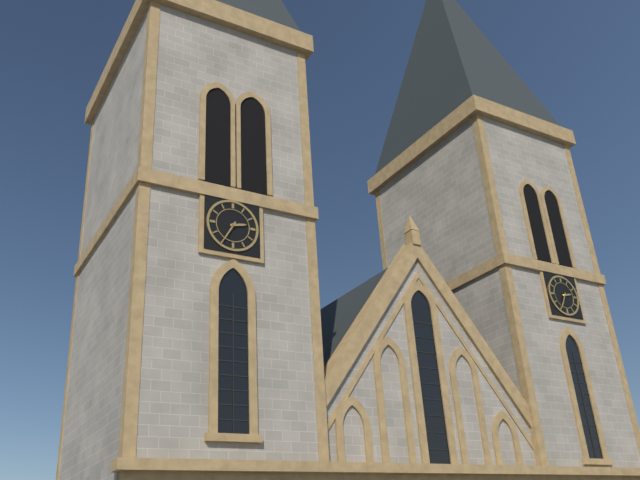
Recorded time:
2,35
